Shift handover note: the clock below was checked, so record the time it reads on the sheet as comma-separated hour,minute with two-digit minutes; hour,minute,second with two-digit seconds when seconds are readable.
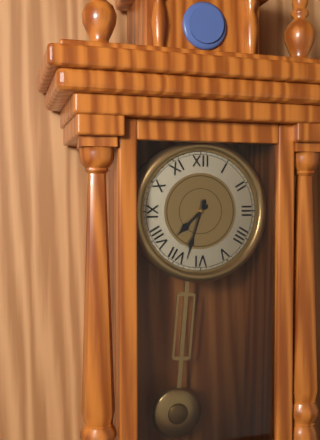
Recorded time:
7,33
